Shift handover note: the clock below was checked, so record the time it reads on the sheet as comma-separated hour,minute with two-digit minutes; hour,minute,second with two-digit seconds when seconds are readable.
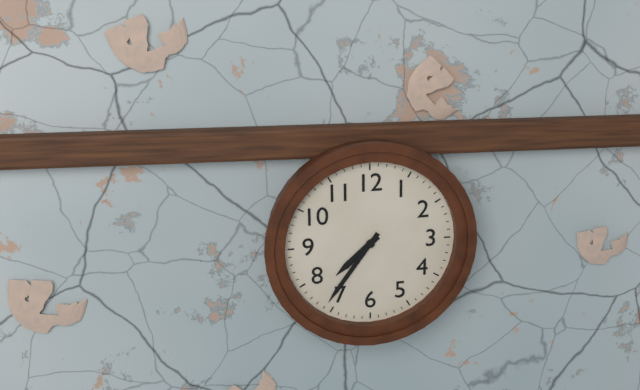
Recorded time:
7,36
